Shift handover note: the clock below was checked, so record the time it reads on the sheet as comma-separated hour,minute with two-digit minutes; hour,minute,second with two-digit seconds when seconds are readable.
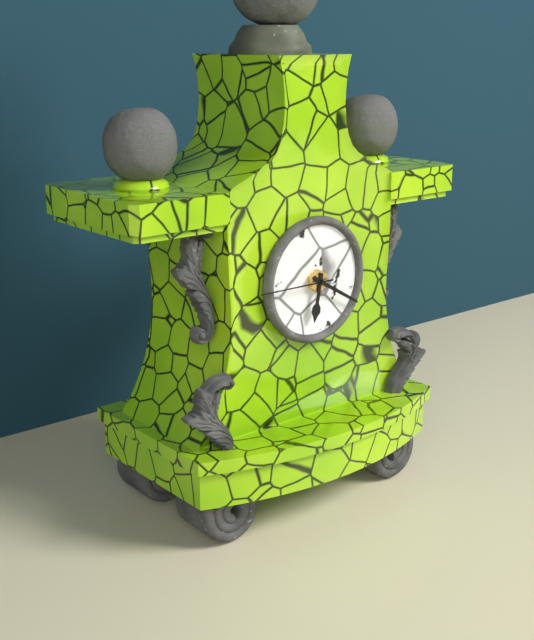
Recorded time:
6,20
